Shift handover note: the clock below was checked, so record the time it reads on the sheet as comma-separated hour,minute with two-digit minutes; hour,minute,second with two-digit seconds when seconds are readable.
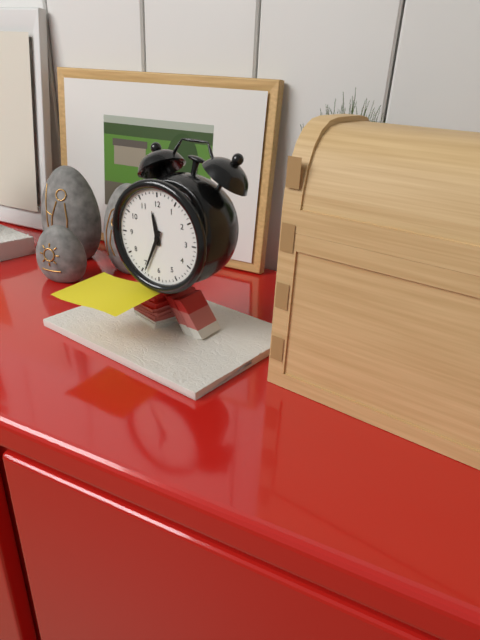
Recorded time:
11,34
